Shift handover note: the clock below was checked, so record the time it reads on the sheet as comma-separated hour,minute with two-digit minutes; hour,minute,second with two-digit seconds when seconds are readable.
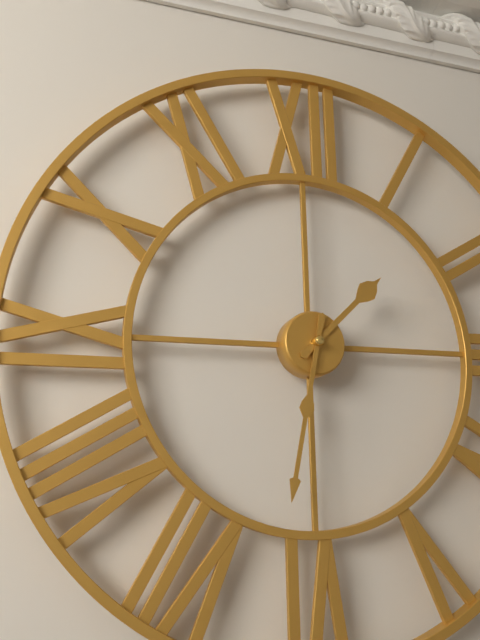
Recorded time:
1,32
